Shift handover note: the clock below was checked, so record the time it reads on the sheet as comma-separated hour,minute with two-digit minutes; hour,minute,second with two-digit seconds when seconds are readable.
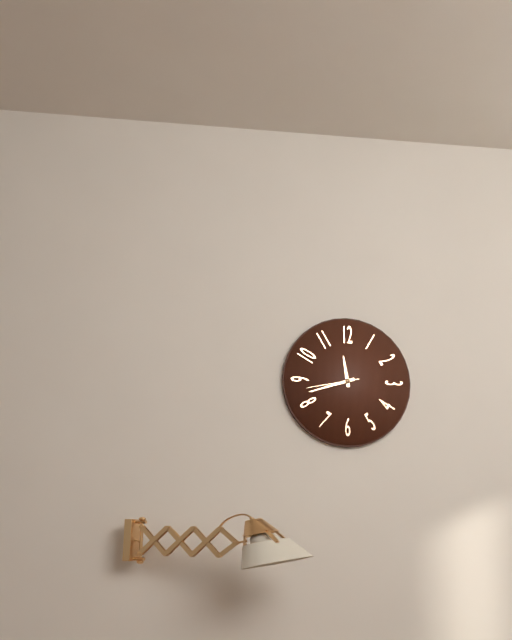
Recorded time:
11,42,43
